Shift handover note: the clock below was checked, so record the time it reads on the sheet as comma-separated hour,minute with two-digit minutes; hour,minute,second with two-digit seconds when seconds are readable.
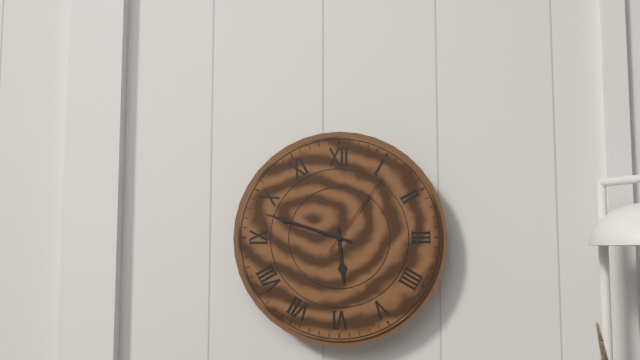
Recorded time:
5,48,06
